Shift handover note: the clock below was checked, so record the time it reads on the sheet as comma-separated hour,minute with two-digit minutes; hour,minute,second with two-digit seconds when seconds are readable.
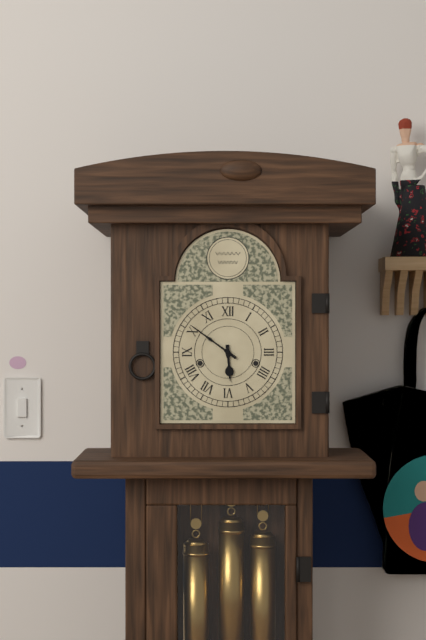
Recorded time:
5,51
